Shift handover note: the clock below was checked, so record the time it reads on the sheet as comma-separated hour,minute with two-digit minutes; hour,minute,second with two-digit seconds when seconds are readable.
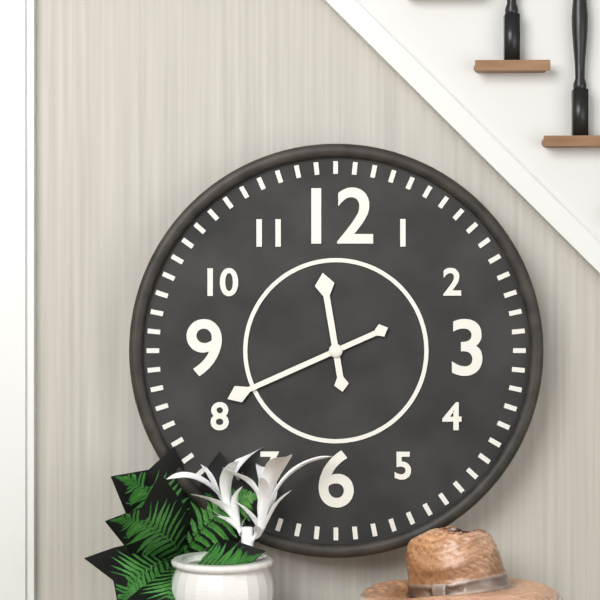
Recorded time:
11,41
